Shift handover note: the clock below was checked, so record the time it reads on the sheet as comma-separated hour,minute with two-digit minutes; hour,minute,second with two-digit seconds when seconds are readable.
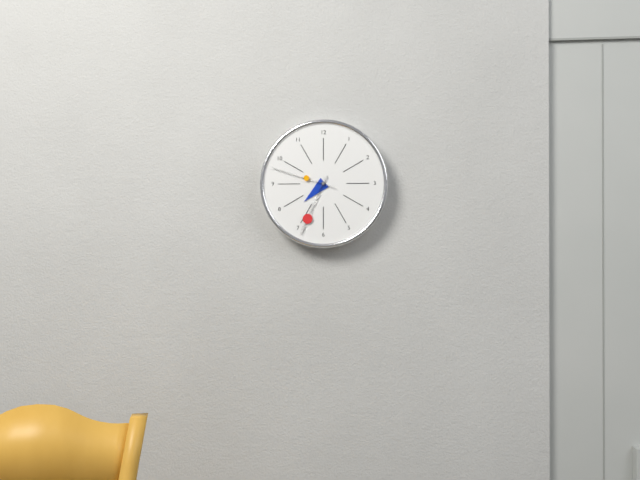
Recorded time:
7,34,48
